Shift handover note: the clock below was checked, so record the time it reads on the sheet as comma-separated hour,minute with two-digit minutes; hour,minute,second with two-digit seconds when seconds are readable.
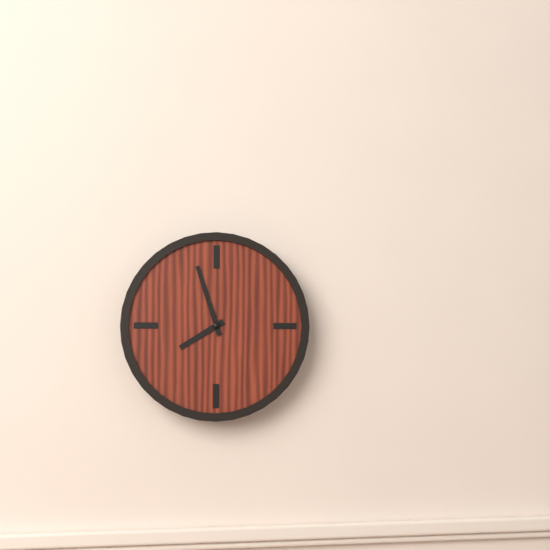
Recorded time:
7,57
